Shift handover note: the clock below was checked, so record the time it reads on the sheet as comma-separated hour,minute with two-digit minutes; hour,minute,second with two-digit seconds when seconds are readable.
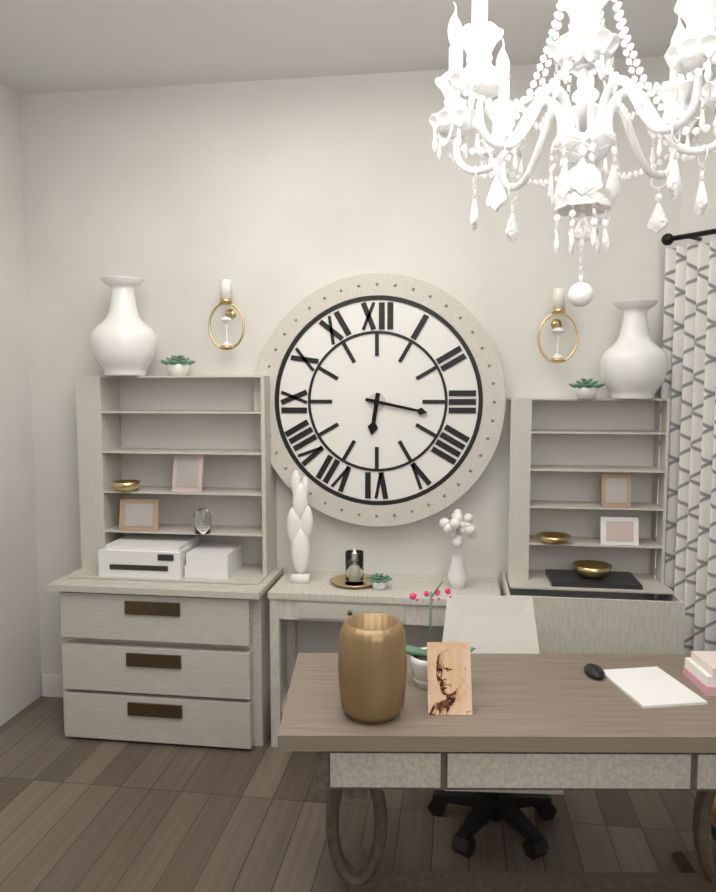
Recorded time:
6,17
